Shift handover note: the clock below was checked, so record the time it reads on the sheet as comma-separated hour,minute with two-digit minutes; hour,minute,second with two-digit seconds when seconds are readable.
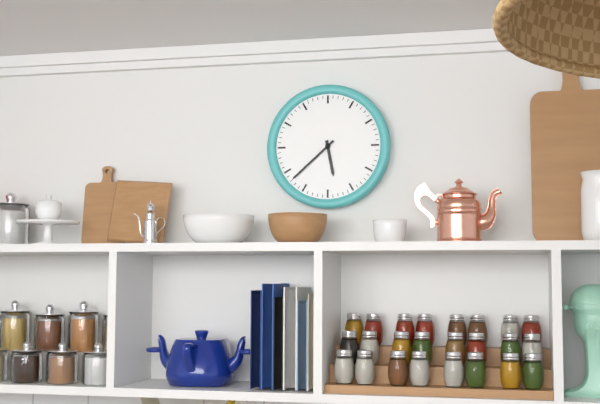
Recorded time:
5,38
